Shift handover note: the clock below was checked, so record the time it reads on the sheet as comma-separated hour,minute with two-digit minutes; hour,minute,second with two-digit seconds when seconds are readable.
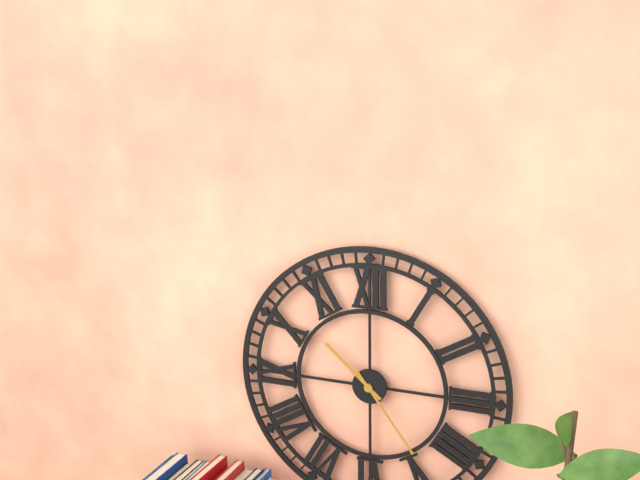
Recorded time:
10,24
